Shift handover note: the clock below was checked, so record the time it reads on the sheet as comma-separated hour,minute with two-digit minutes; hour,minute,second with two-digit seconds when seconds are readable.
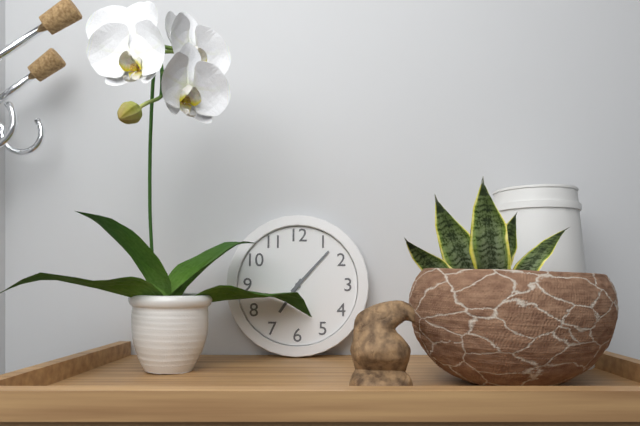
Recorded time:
7,07
